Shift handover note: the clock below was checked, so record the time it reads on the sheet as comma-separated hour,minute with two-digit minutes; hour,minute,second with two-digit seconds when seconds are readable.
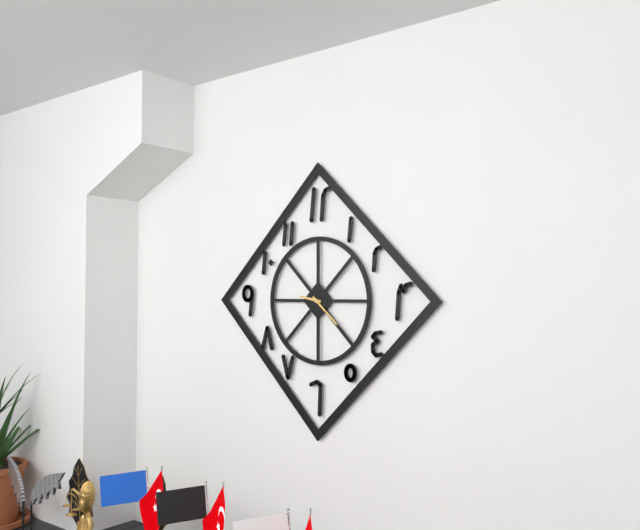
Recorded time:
9,22
